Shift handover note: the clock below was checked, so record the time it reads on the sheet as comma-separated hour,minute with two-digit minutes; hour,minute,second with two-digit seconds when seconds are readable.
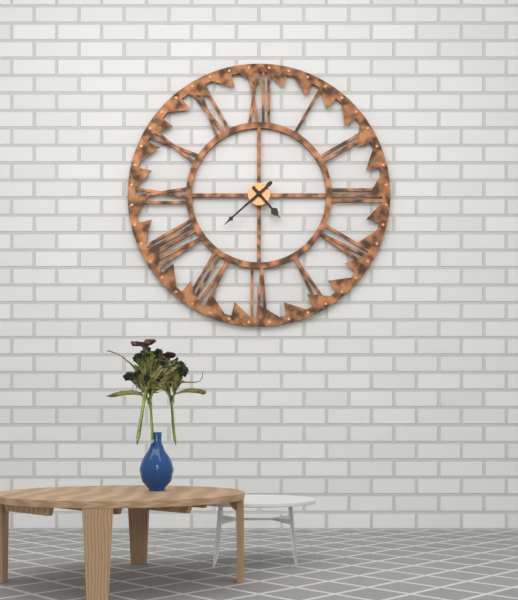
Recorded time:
4,38
